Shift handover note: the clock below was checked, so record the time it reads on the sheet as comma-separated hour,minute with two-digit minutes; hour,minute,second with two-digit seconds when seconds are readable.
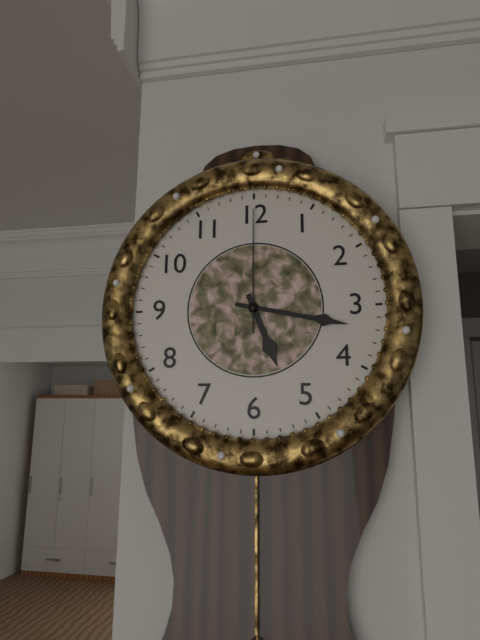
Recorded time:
5,17,00
